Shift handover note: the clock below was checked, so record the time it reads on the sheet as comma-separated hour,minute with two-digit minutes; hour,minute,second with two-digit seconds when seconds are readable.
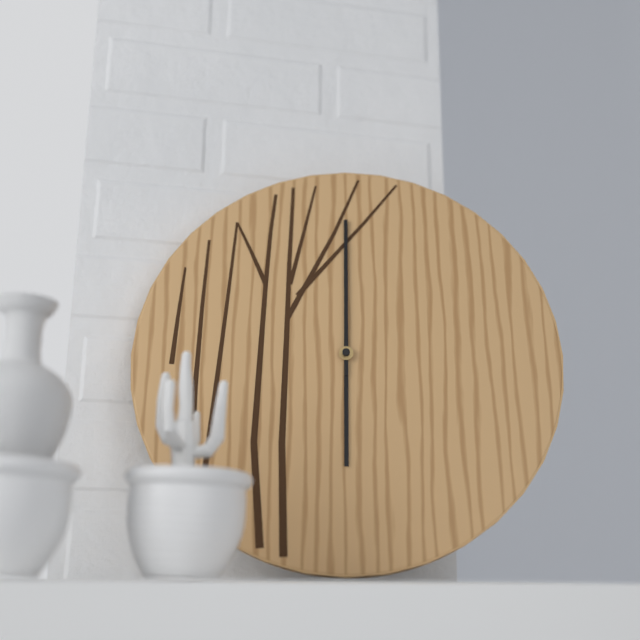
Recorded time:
6,00
